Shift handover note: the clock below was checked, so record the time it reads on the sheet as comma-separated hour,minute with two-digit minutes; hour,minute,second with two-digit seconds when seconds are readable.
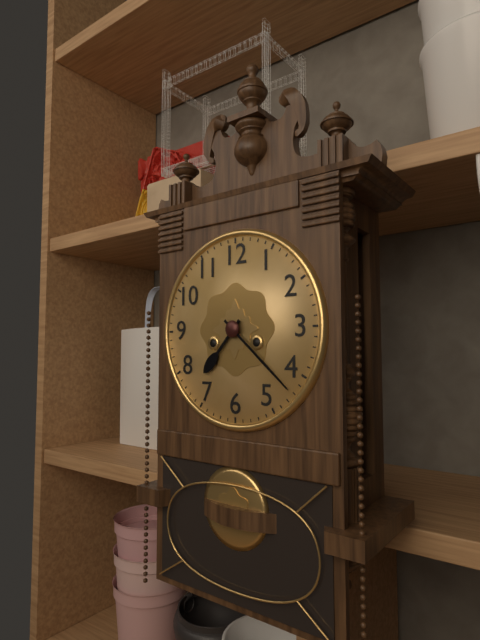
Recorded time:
7,22
